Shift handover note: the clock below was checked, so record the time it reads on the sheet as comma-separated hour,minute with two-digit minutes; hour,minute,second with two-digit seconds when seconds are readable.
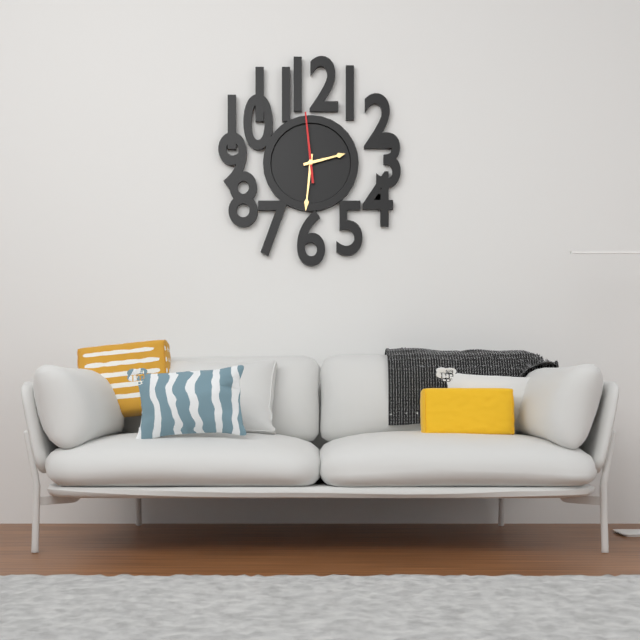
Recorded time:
2,31,59
